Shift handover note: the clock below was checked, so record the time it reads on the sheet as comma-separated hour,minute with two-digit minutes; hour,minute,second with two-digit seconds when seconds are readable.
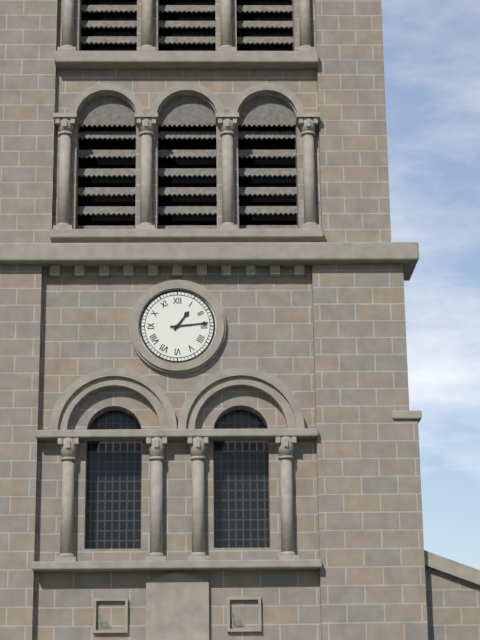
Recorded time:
1,14
